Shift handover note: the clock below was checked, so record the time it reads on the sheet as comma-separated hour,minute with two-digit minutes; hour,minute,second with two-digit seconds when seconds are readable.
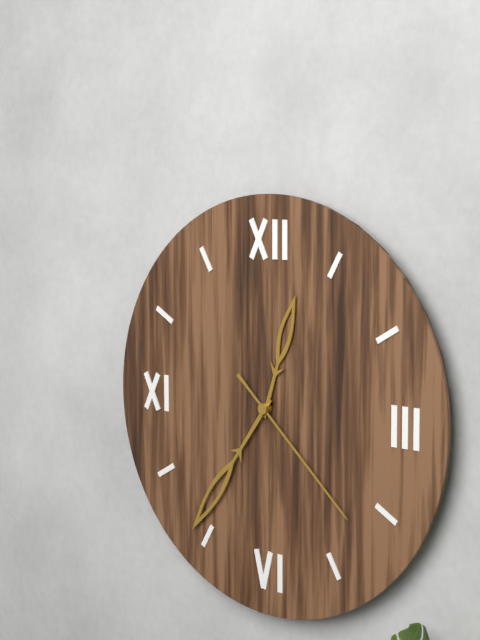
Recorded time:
12,36,22
